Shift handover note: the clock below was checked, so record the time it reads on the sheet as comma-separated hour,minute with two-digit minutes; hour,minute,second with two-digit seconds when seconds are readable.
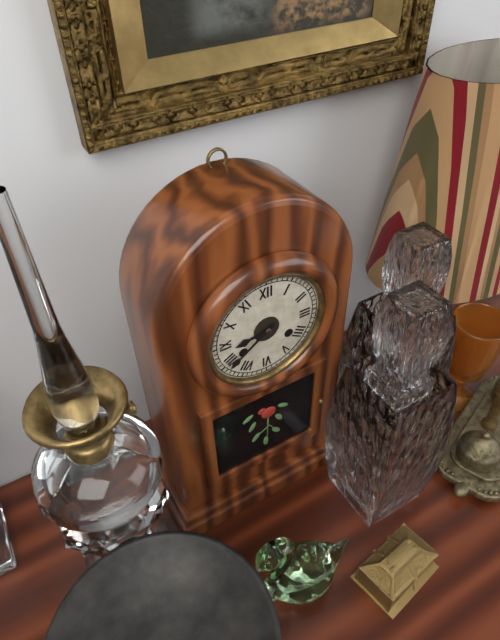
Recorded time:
8,39
